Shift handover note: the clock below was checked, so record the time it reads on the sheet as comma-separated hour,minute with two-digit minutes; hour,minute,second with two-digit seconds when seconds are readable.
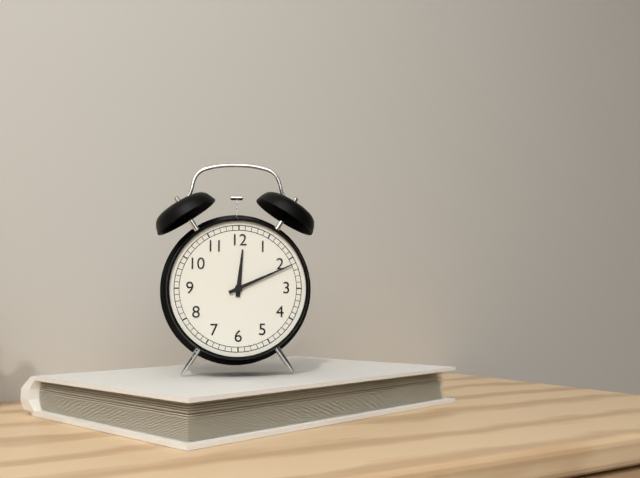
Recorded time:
12,11
